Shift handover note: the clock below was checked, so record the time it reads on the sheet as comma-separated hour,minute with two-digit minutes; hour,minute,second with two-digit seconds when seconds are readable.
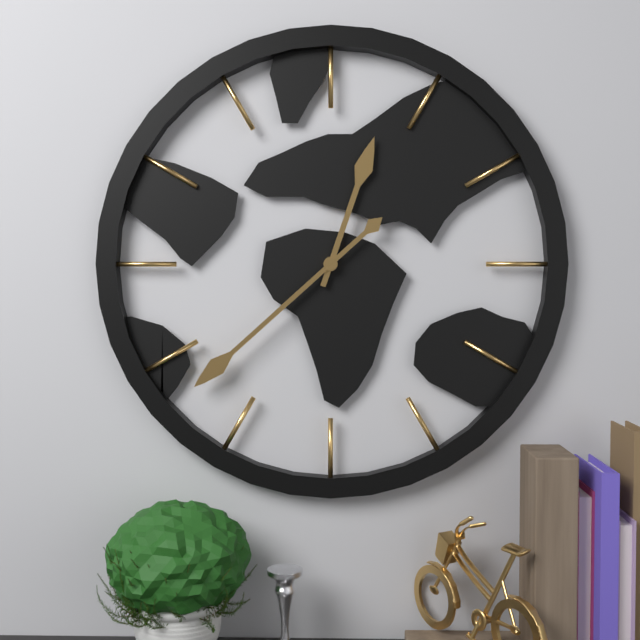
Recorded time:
12,38
